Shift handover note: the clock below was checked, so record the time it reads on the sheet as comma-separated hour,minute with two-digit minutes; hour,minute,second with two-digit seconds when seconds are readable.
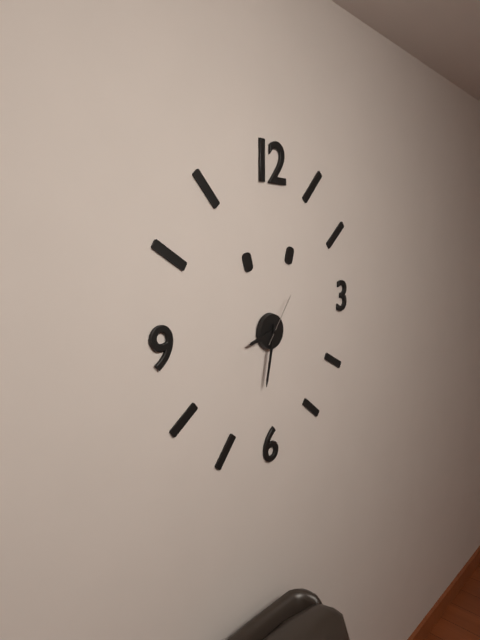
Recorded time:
8,32,06
